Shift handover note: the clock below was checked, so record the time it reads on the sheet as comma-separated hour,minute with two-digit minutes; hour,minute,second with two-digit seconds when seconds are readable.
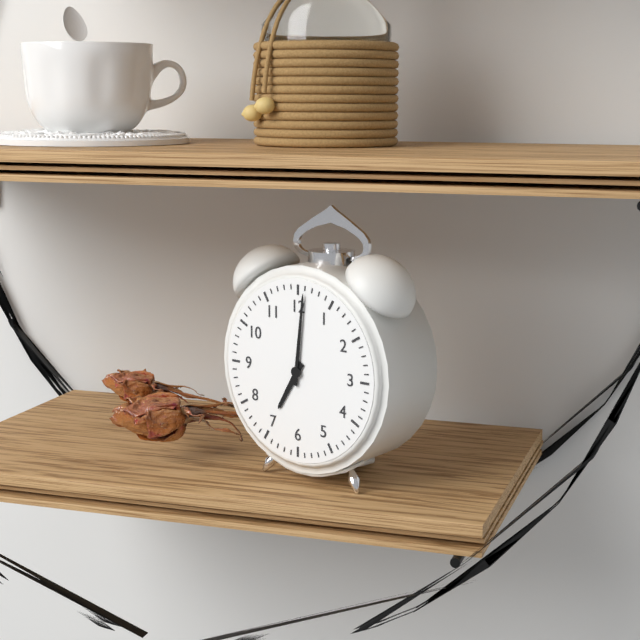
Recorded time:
7,01
